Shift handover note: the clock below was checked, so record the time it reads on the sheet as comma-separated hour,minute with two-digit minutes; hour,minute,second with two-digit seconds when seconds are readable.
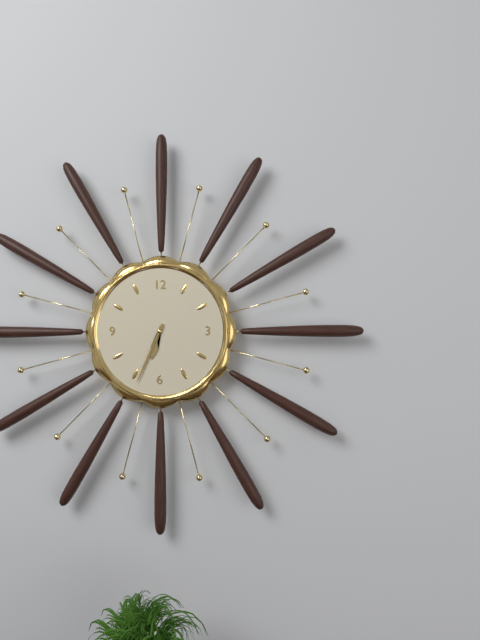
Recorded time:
6,34
